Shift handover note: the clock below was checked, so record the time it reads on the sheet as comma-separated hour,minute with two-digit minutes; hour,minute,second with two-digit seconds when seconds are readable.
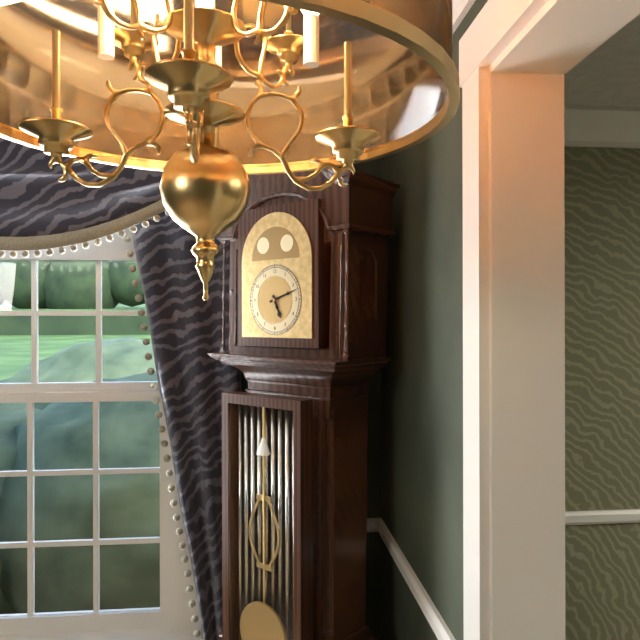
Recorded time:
5,12
